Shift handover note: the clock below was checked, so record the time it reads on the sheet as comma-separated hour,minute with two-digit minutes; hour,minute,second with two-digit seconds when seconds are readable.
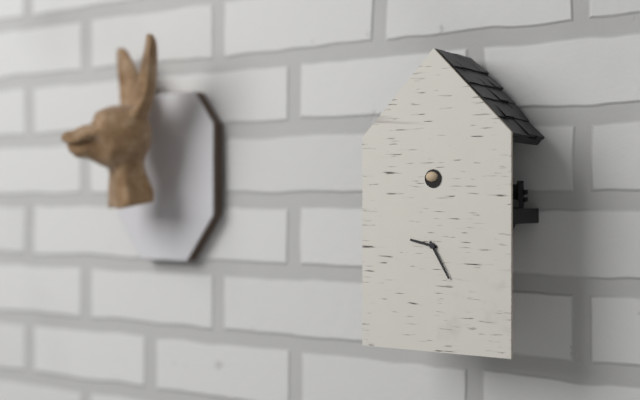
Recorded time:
9,25
